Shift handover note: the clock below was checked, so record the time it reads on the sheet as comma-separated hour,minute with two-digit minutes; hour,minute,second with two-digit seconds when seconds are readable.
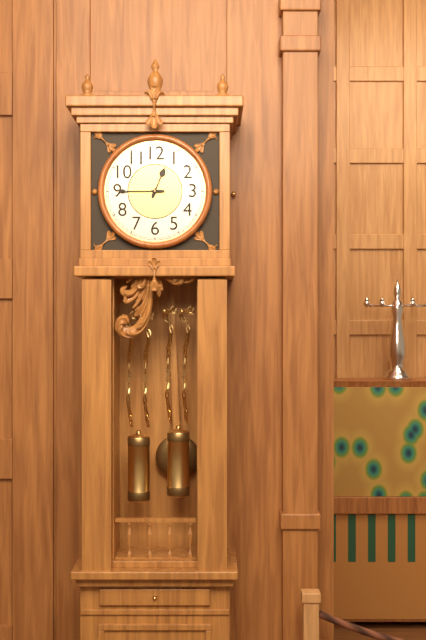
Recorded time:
12,45
